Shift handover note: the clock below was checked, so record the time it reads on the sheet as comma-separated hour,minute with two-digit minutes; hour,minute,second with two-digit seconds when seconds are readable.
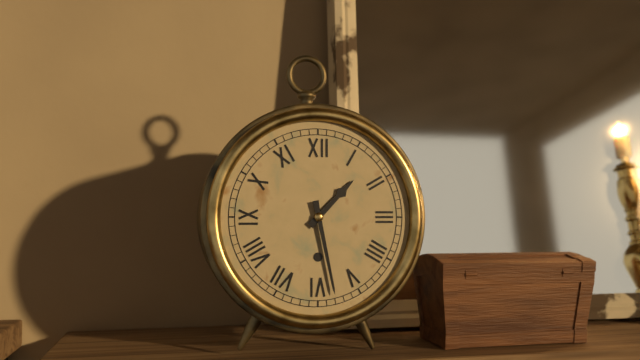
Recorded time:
1,28
